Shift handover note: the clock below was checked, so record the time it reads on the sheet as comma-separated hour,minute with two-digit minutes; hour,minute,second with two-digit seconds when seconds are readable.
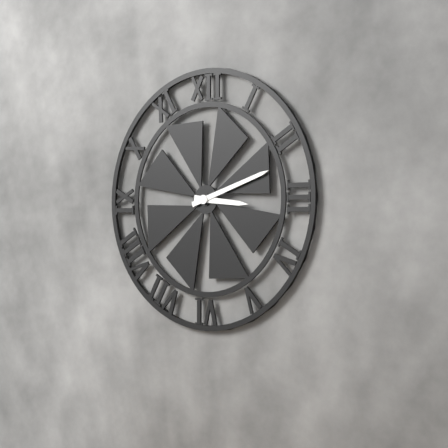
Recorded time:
3,12
